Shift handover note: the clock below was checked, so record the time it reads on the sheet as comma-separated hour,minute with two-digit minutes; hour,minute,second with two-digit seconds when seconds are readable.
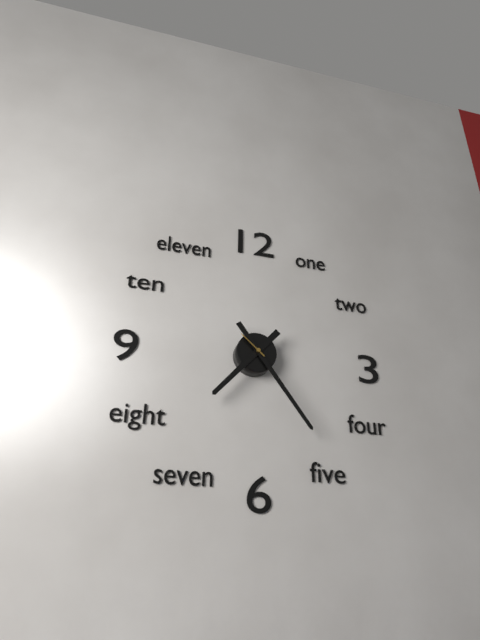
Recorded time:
7,24
